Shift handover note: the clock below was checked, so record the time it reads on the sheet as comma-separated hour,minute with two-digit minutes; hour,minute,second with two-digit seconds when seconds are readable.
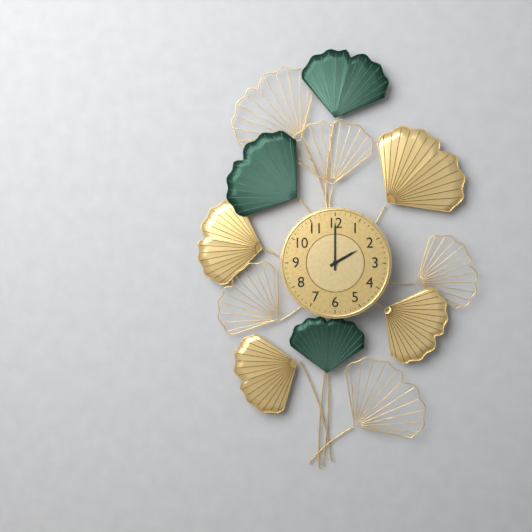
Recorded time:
2,00
